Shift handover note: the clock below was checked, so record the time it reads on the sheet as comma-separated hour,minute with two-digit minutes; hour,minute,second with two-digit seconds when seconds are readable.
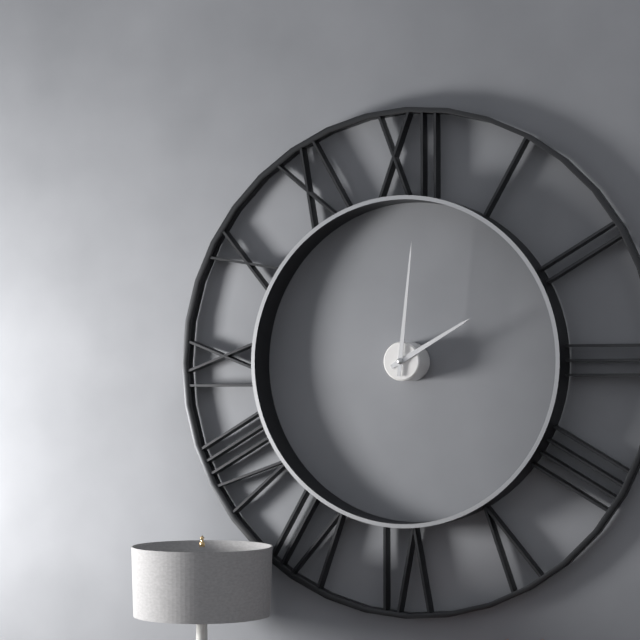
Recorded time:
2,01
